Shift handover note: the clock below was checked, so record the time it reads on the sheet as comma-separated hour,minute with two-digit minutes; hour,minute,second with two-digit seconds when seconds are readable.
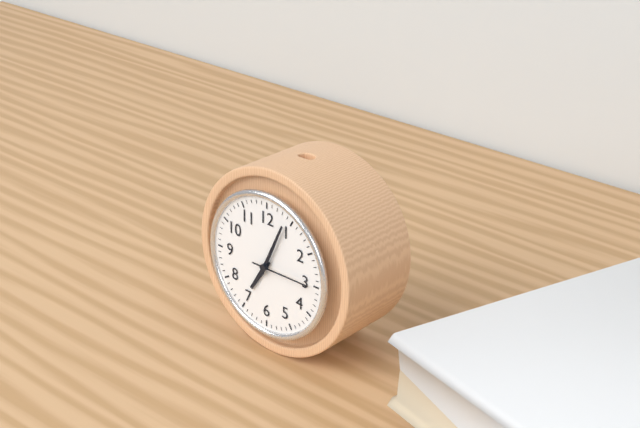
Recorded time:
7,04,15
